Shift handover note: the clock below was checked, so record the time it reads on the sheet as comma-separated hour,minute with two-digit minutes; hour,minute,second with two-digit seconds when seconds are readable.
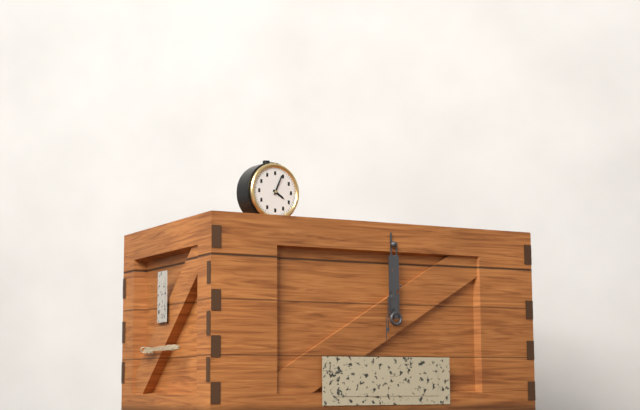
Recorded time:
4,04
